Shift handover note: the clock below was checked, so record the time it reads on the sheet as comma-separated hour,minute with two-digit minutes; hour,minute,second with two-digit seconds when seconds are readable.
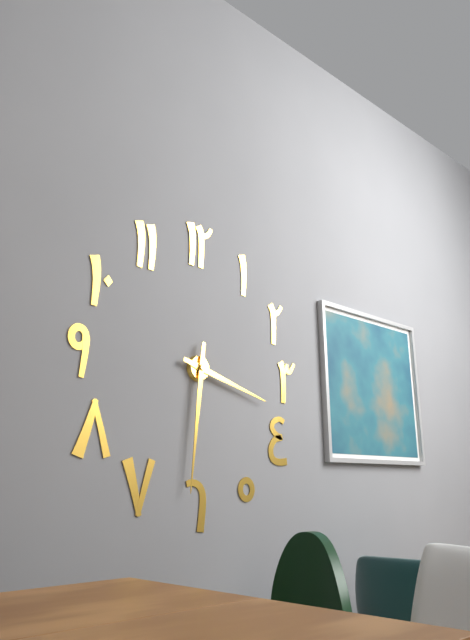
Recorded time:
3,31
